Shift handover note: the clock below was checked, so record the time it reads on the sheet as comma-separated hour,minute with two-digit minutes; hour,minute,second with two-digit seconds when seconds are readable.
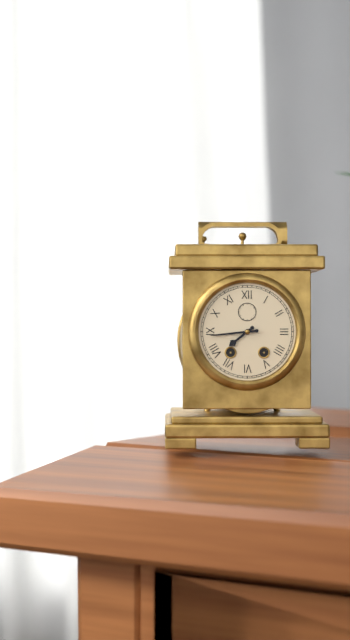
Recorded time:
7,44
